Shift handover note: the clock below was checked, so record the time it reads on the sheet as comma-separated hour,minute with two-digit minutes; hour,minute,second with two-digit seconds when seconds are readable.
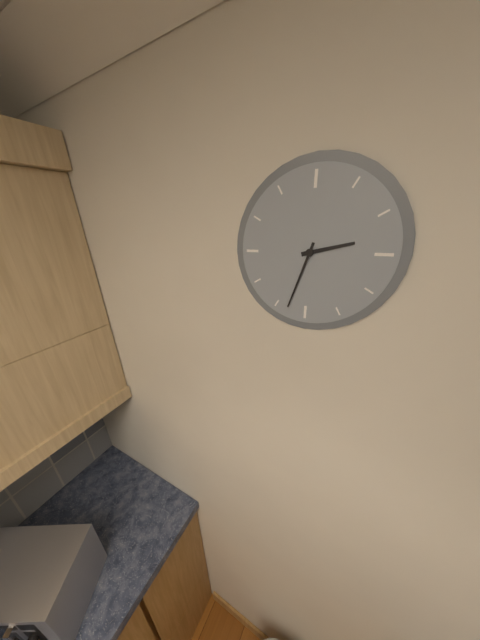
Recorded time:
2,33
